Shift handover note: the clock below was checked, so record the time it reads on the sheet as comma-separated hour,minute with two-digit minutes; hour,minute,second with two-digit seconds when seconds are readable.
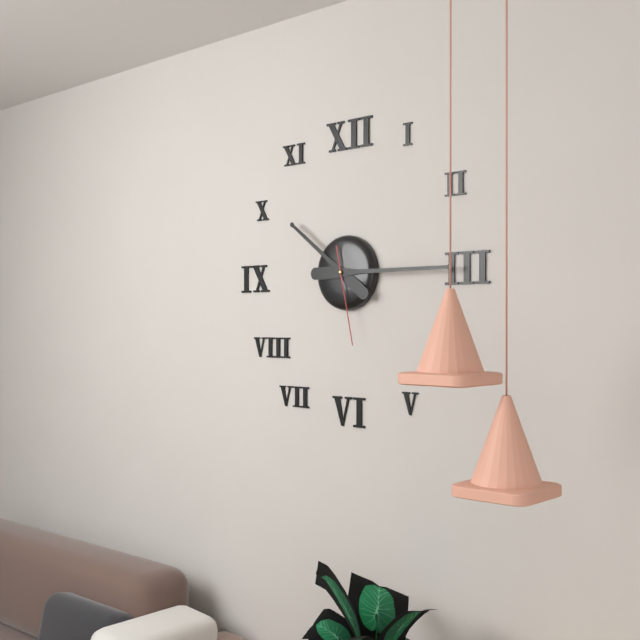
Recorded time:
10,15,28
